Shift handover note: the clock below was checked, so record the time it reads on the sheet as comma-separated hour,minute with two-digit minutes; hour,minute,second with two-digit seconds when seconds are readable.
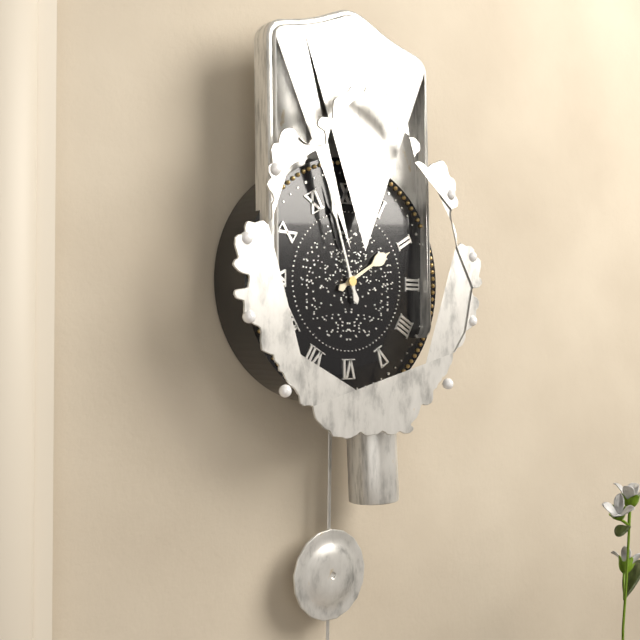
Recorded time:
1,57
